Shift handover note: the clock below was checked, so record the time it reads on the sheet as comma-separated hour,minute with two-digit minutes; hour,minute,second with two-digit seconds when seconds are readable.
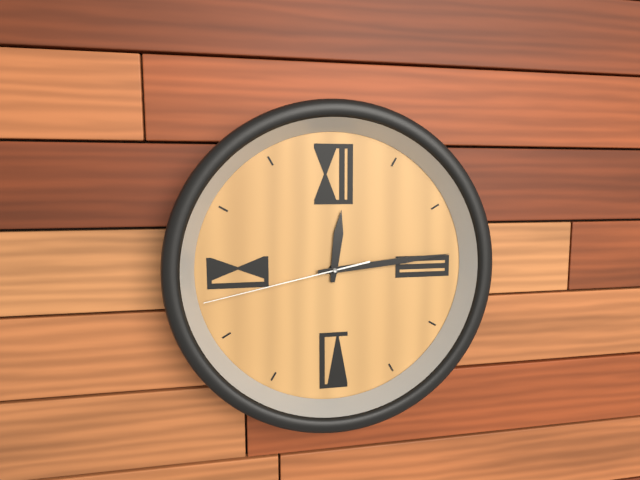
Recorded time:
12,14,43
